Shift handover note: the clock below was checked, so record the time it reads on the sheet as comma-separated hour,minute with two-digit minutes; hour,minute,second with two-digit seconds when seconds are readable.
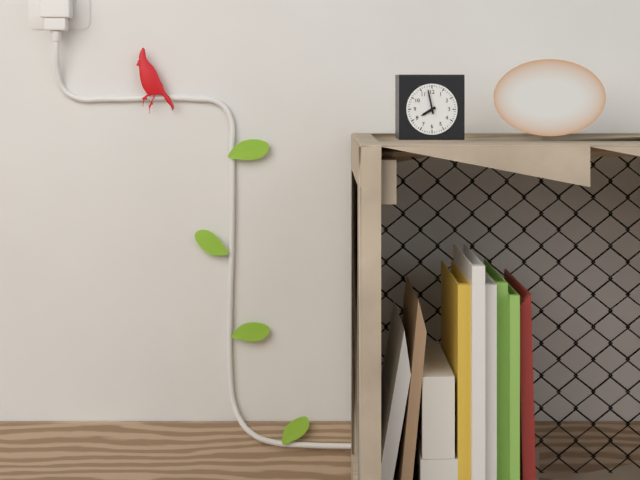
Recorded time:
7,58
